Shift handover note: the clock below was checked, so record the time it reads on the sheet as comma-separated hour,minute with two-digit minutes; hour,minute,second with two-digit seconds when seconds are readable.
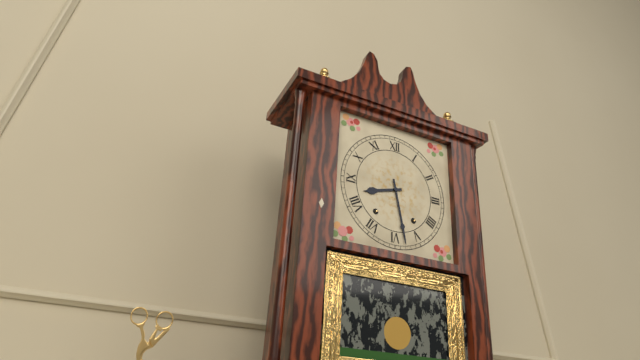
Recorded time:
8,28
